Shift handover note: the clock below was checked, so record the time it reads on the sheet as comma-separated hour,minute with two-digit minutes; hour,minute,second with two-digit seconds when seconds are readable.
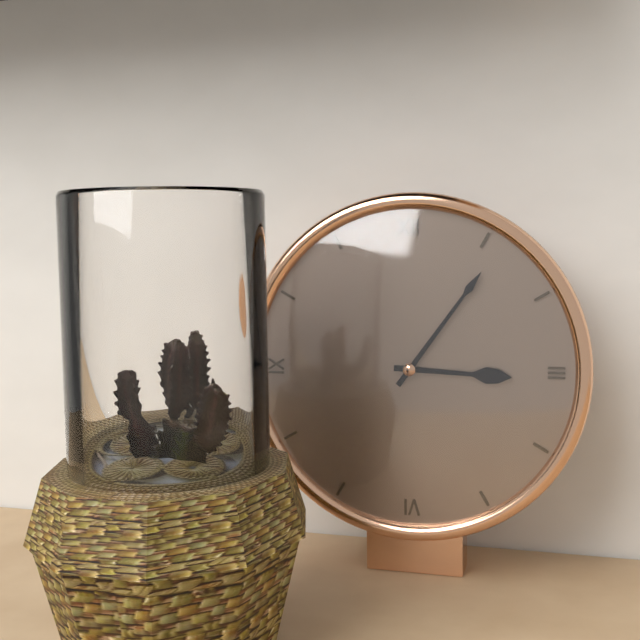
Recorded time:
3,06
